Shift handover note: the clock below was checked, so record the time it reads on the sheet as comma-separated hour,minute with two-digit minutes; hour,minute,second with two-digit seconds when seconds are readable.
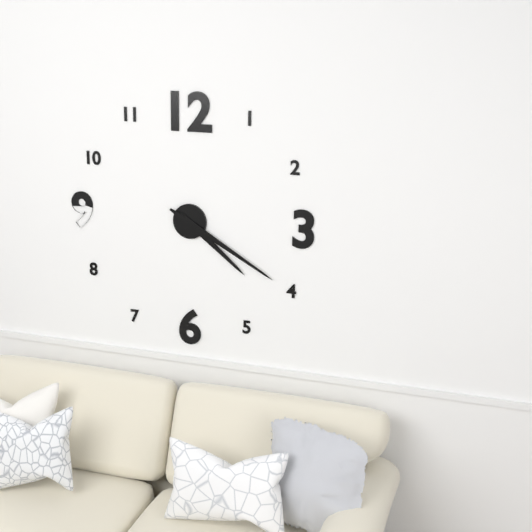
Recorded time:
4,20
